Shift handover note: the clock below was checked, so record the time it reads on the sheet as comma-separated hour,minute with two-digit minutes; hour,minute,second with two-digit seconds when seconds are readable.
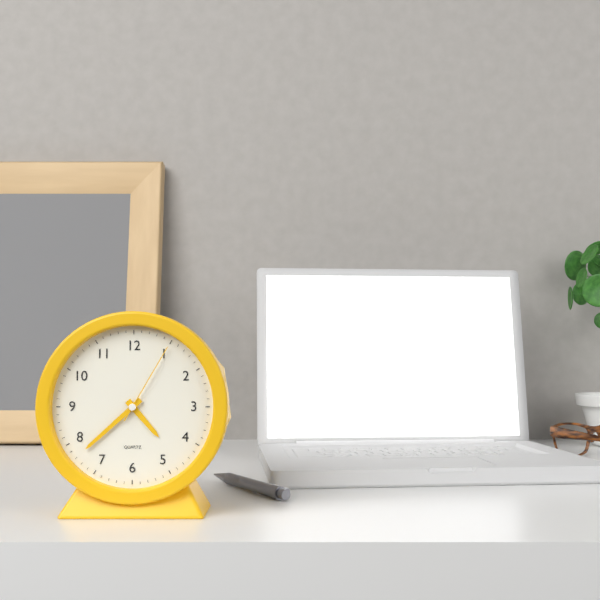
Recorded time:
4,38,05
